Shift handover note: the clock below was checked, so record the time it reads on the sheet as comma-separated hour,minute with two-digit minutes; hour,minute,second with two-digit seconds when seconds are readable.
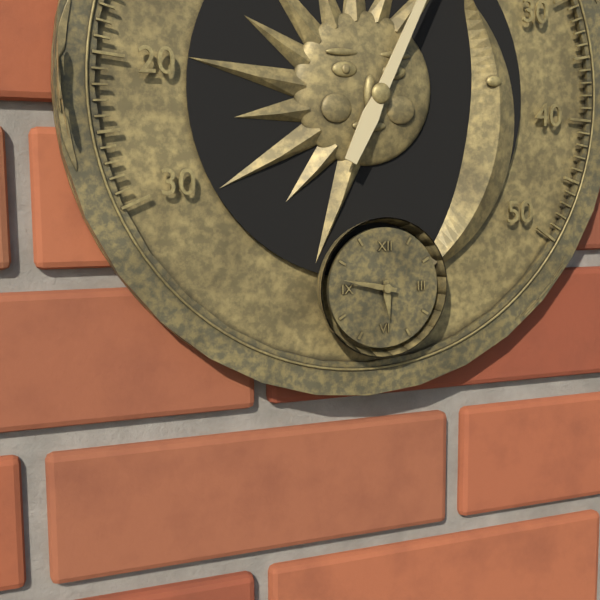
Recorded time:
5,47
